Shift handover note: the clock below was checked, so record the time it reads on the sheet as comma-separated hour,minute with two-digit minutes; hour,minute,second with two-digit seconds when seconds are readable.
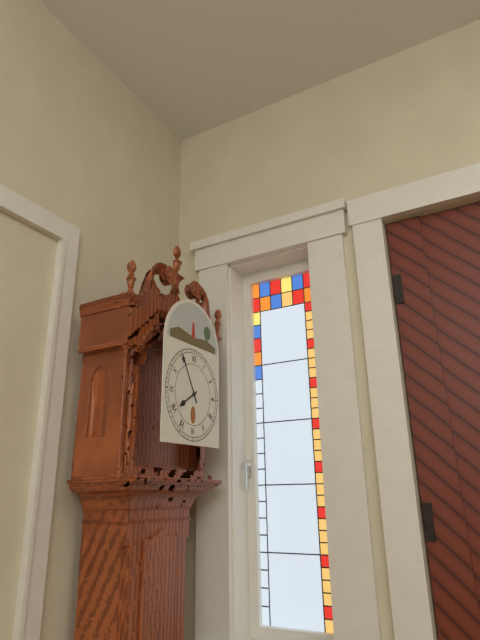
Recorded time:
7,55
